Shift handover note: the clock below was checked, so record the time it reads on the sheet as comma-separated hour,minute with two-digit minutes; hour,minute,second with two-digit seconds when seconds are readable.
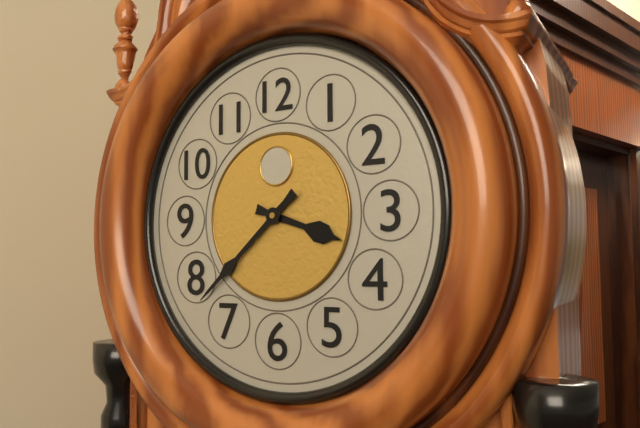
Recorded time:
3,38
